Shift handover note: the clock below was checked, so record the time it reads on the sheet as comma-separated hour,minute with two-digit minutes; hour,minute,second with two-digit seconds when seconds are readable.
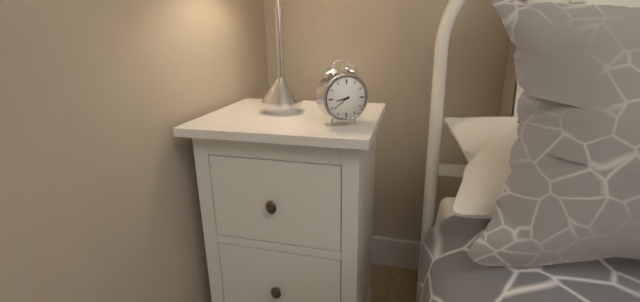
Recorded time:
8,39
